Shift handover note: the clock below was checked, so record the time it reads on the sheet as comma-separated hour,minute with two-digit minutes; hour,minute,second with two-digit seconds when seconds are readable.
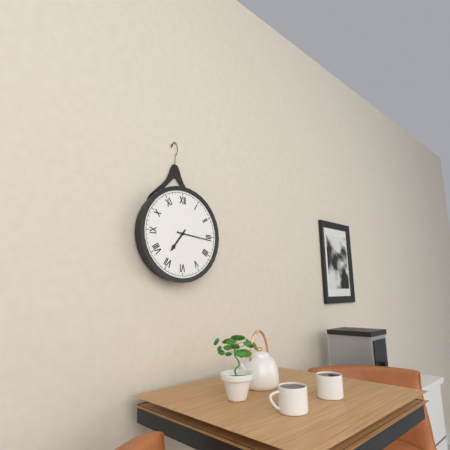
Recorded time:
7,16
